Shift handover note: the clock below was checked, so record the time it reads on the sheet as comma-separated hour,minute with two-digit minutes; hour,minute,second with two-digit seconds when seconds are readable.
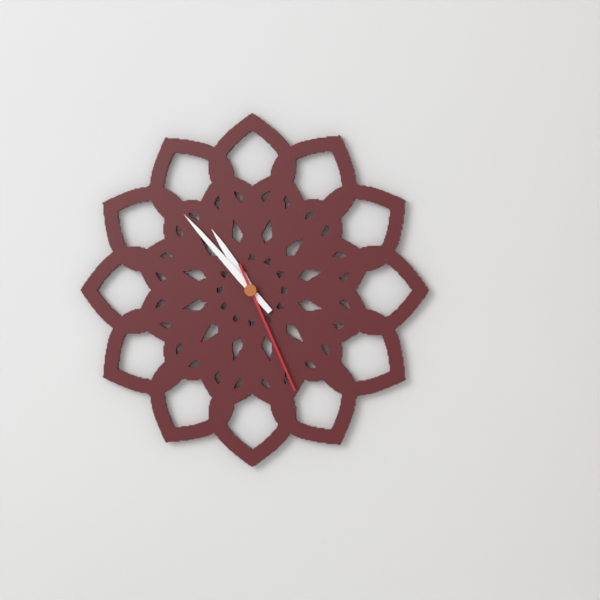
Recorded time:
10,53,26
